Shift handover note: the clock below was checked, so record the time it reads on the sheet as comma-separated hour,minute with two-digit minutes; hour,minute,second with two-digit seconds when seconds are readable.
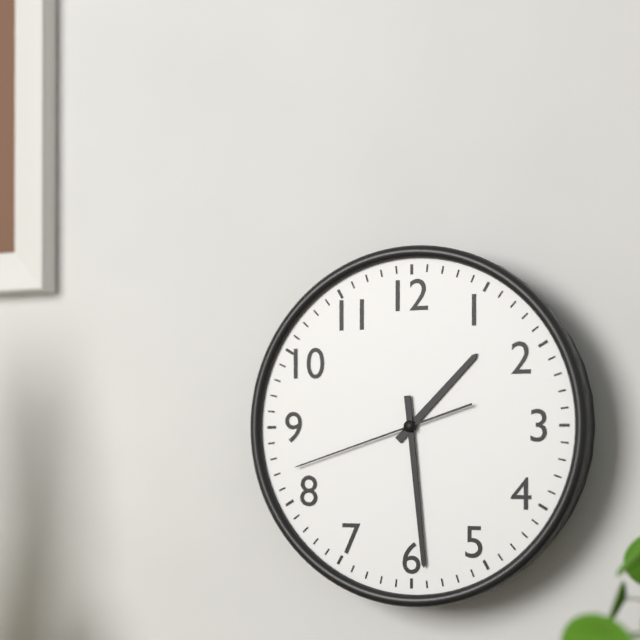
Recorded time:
1,29,42
